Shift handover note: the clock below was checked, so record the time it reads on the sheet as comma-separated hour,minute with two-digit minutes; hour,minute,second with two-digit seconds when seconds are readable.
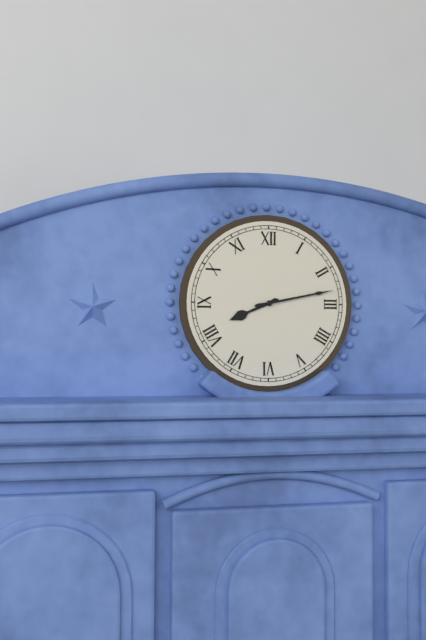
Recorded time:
8,13
